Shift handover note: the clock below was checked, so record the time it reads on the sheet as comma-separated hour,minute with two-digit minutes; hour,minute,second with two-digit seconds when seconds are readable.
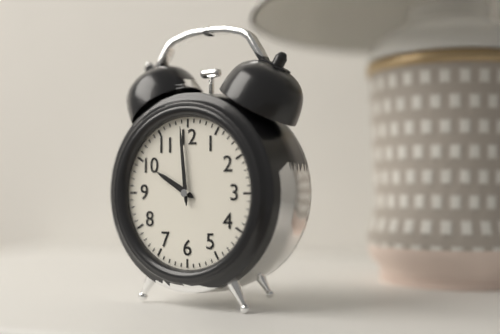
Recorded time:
9,59
